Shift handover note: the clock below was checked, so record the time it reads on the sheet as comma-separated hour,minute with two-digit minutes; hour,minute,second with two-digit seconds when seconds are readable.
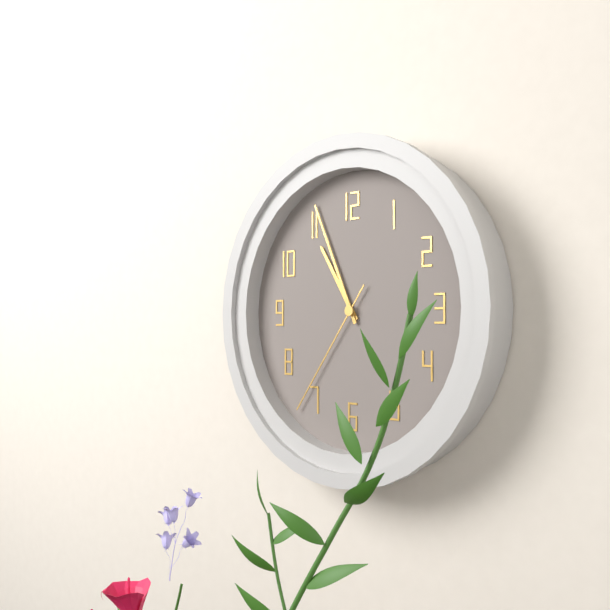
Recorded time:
10,56,36
